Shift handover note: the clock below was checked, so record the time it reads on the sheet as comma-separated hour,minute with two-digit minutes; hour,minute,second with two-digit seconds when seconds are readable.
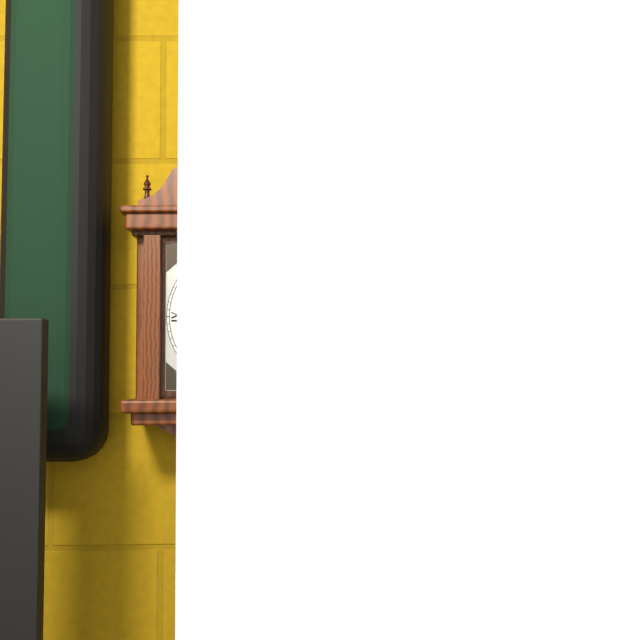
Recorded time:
8,36
